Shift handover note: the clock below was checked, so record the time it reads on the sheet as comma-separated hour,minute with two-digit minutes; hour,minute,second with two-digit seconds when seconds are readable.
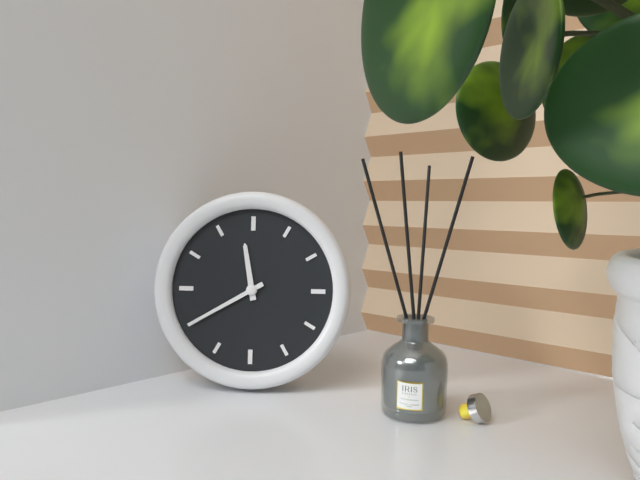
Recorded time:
11,40
